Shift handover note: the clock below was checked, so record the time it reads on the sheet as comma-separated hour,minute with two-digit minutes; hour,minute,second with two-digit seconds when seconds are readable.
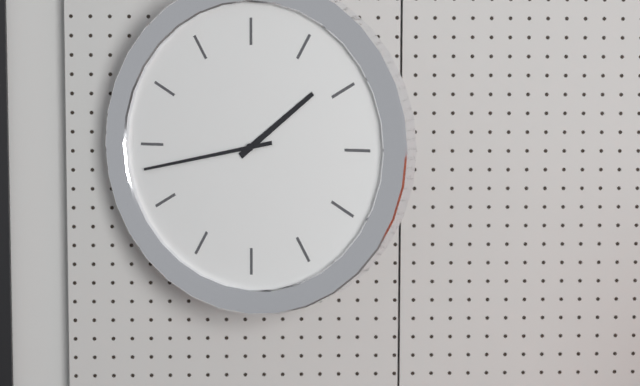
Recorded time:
1,43
